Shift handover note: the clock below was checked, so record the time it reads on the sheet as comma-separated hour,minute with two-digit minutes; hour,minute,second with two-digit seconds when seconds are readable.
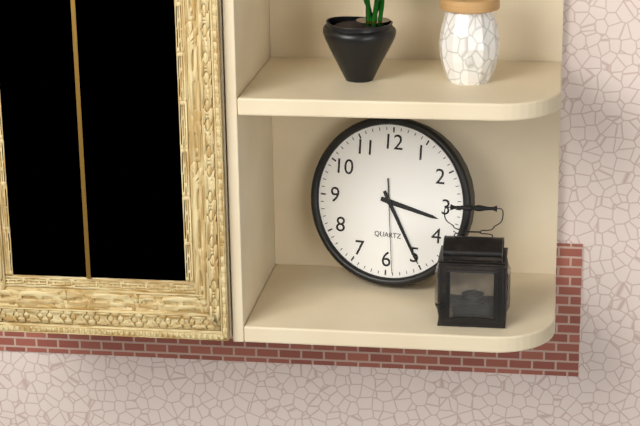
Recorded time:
3,25,29
